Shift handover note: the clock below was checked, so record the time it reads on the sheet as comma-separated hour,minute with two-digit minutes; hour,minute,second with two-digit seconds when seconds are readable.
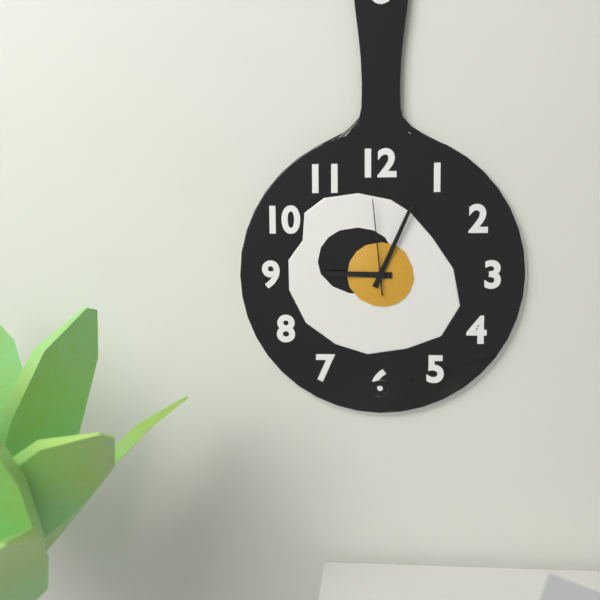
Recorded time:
9,04,59
